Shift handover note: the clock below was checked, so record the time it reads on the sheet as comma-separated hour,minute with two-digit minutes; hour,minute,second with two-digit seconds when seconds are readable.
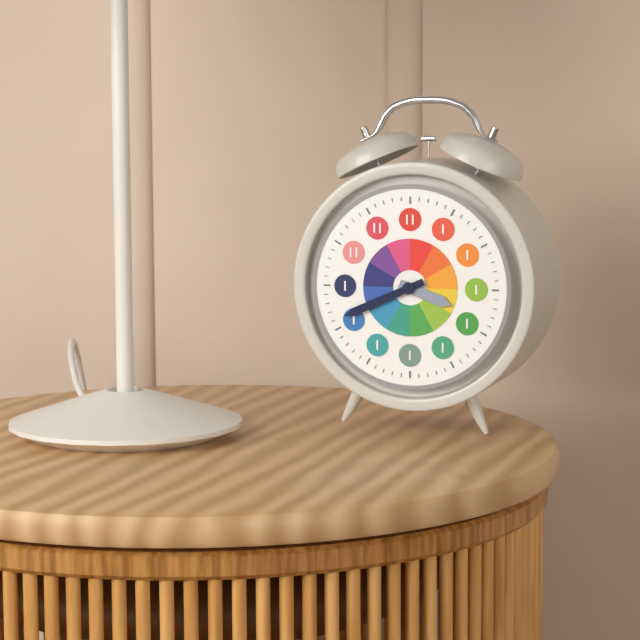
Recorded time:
3,41
